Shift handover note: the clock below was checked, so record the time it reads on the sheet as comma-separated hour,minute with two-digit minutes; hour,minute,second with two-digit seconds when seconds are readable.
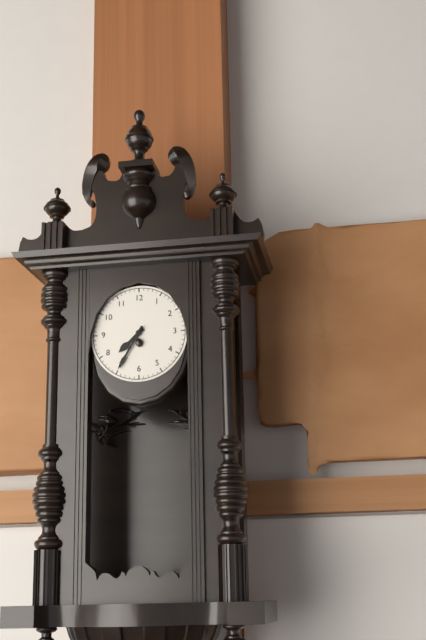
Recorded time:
7,35
